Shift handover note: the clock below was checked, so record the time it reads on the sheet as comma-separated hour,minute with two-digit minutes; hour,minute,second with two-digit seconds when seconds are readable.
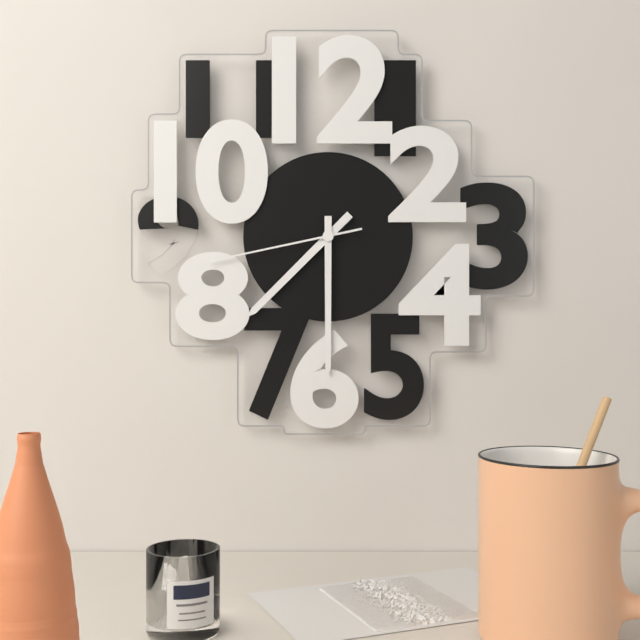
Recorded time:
7,30,43
